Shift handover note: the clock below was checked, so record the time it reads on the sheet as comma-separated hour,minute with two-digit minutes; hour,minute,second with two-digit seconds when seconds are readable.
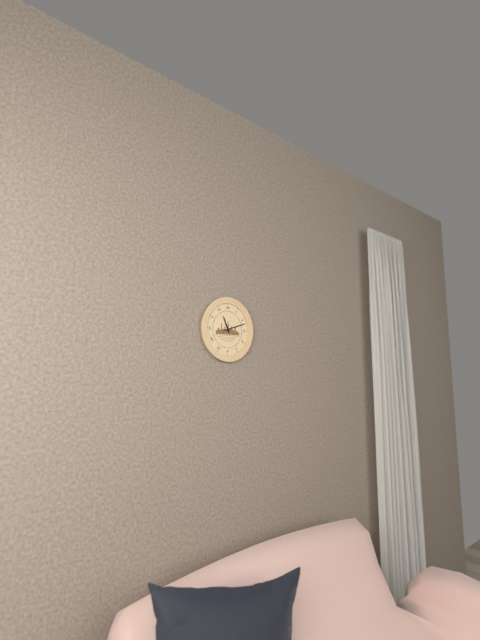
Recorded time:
11,12
